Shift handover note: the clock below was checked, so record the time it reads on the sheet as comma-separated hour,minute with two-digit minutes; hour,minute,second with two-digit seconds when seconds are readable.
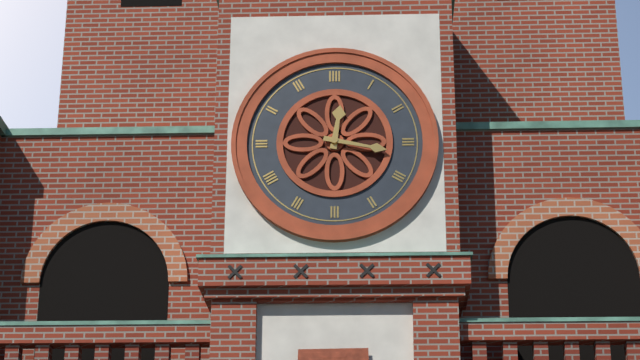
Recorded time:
12,17
